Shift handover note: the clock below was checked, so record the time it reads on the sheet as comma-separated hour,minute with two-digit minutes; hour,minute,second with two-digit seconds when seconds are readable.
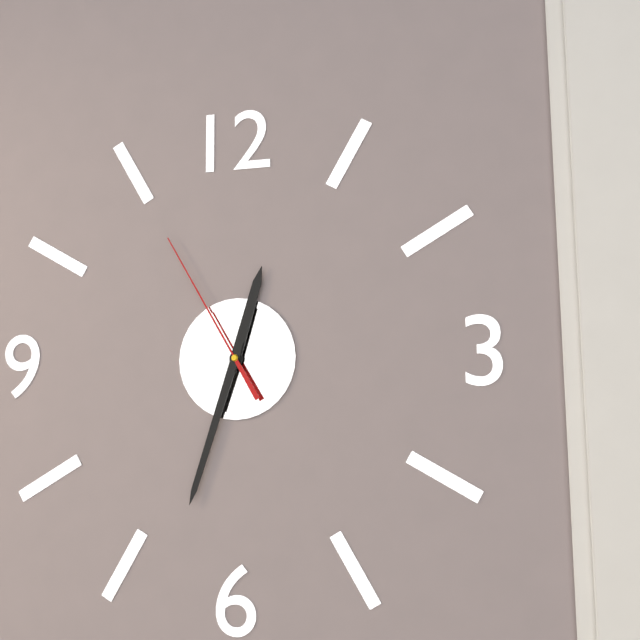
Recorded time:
12,33,55
